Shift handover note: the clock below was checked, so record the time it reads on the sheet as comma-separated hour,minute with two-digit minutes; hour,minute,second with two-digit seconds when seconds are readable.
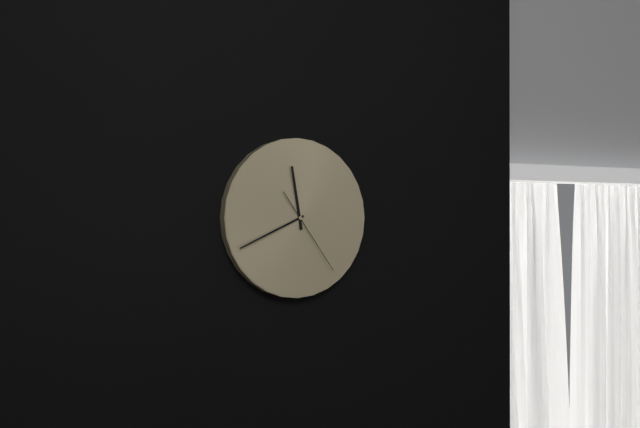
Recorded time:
11,41,24
